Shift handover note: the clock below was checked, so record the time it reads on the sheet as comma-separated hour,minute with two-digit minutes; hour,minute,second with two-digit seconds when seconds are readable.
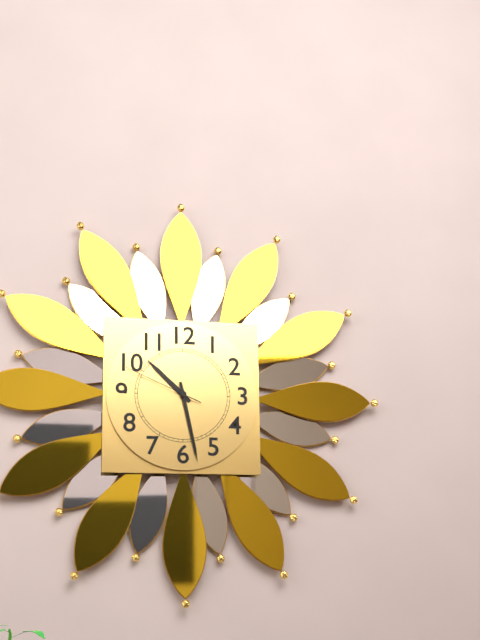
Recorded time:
10,28,49
